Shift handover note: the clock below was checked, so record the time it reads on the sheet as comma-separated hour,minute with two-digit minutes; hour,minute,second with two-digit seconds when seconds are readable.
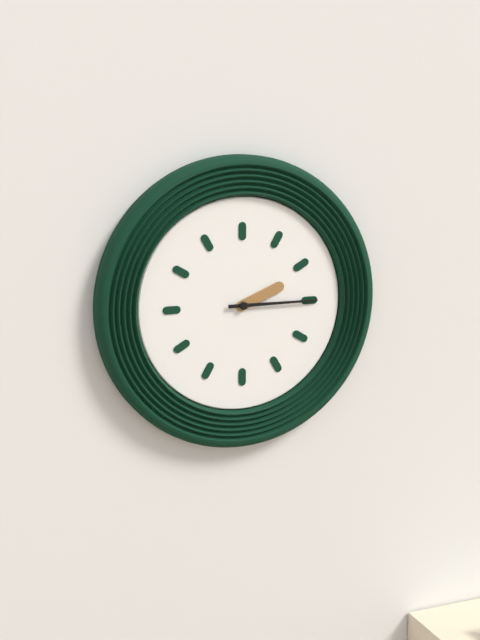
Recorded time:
2,15
